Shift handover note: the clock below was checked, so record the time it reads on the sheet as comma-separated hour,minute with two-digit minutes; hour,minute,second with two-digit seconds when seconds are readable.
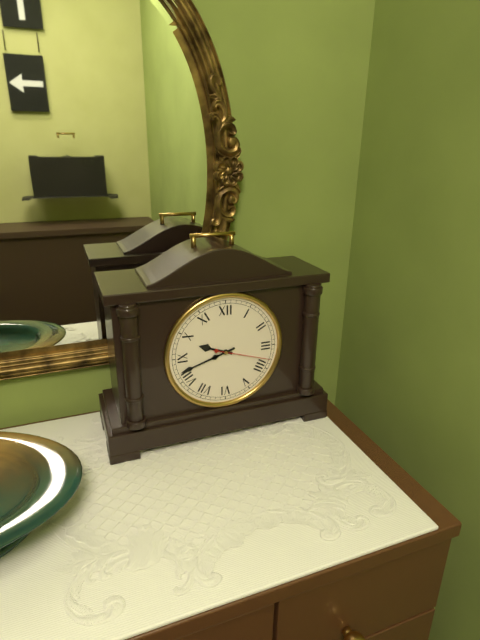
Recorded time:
9,42,18
